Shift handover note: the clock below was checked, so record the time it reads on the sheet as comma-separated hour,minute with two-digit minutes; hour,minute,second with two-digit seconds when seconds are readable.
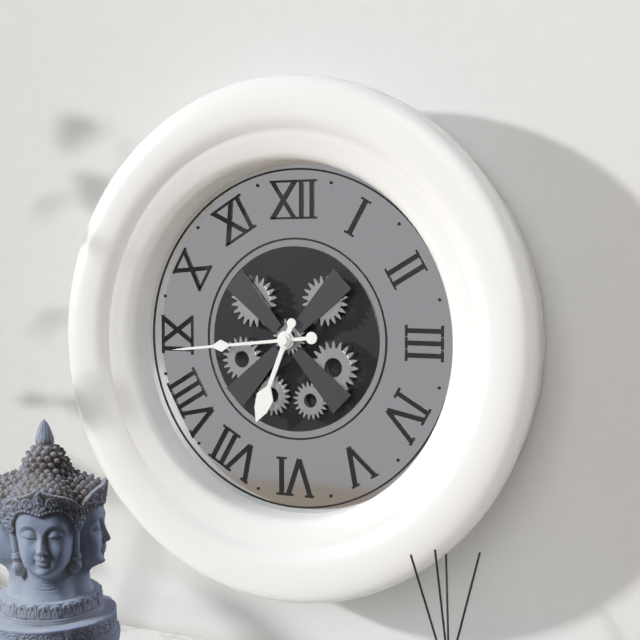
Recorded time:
6,44
